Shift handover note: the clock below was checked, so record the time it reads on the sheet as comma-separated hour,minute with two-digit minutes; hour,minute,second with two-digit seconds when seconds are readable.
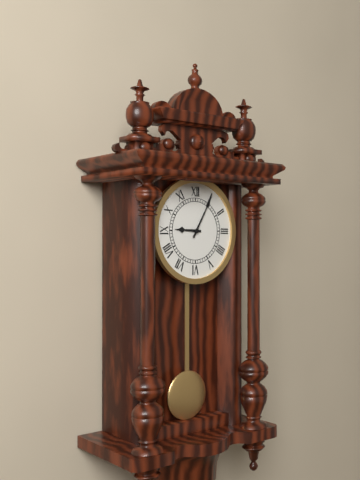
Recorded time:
9,05
